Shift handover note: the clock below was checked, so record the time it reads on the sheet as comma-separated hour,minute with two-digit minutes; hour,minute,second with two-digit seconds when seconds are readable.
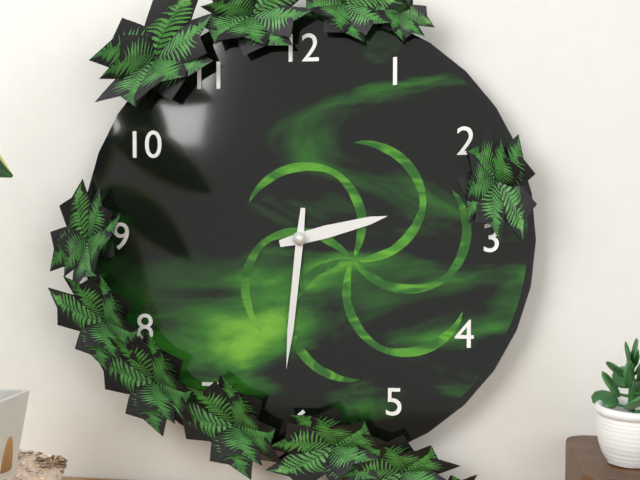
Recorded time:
2,31
